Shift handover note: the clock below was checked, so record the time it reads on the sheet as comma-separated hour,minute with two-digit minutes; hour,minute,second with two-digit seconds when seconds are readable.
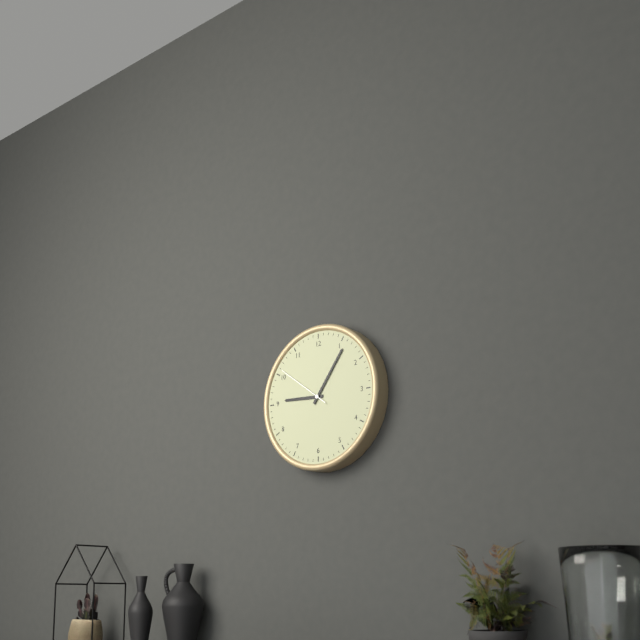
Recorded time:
9,06,51
